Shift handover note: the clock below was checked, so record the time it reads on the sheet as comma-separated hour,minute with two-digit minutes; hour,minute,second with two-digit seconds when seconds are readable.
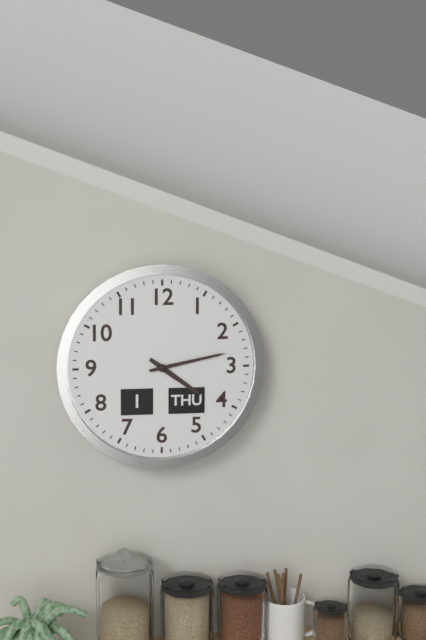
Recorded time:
4,13
